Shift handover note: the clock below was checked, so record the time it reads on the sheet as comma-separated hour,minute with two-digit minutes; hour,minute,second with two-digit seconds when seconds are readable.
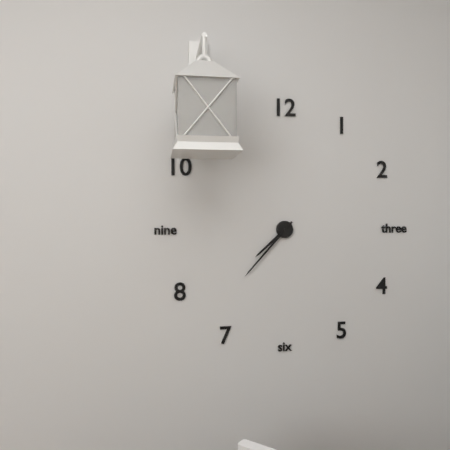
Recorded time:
7,37
